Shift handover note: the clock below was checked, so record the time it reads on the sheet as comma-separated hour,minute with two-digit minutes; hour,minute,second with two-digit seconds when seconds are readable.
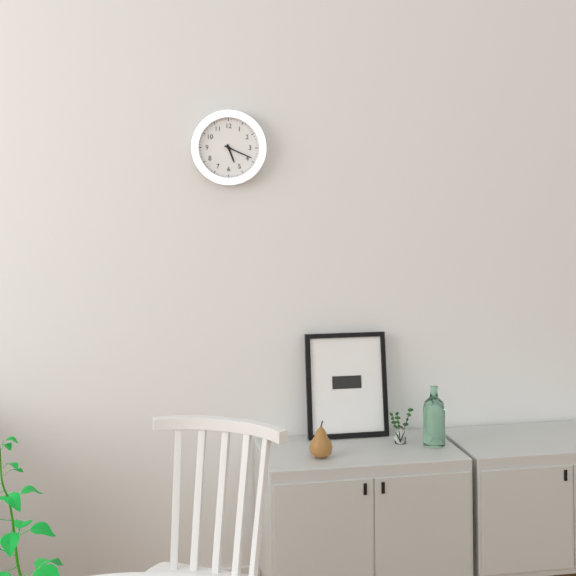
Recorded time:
5,19
